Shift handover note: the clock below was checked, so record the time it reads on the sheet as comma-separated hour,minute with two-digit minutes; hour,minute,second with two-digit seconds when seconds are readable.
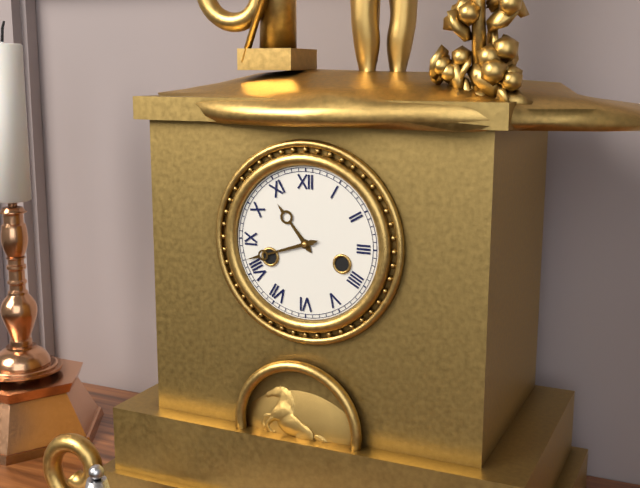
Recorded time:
10,42
